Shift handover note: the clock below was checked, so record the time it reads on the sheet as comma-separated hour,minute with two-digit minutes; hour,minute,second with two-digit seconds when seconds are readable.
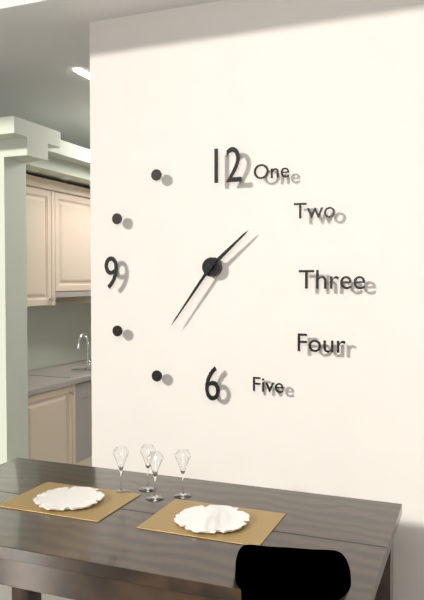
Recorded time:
1,36
